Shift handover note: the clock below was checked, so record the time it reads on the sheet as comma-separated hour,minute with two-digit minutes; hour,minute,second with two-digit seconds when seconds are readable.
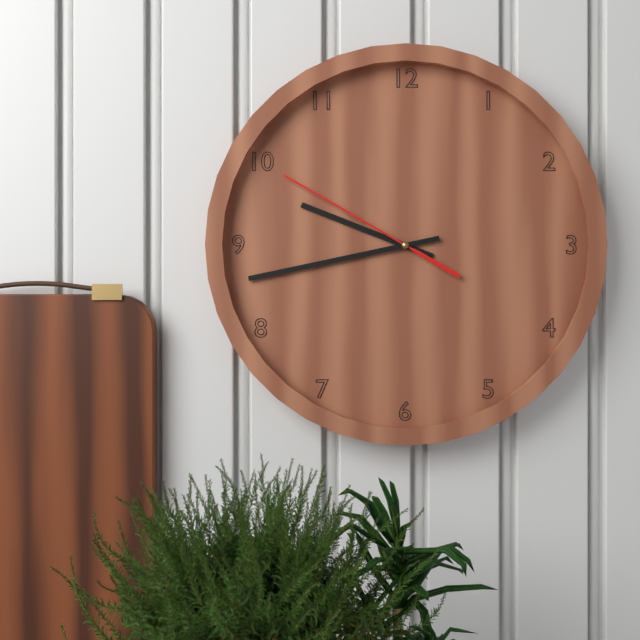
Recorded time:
9,43,50
